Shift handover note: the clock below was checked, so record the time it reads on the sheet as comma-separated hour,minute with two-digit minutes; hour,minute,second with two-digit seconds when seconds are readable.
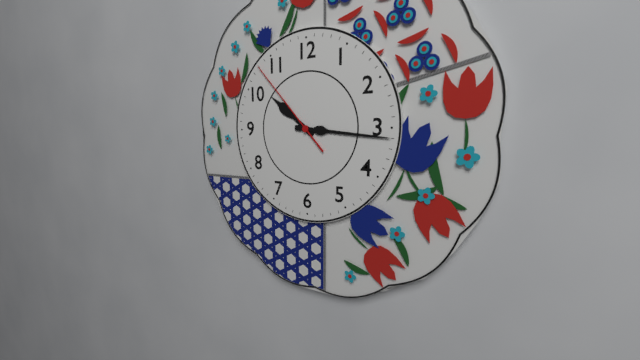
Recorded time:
10,16,53
